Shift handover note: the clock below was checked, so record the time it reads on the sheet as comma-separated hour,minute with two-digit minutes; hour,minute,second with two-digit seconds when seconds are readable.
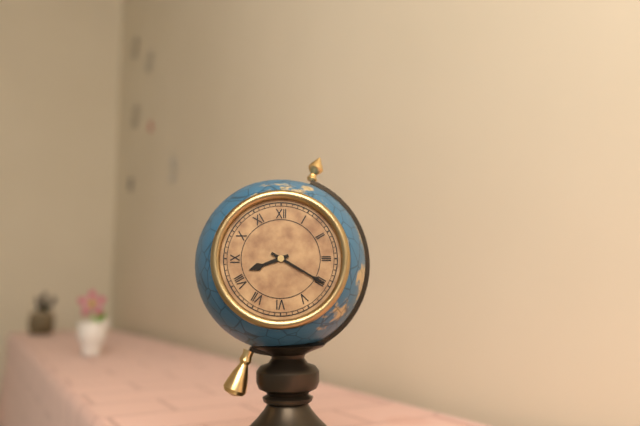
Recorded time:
8,20
